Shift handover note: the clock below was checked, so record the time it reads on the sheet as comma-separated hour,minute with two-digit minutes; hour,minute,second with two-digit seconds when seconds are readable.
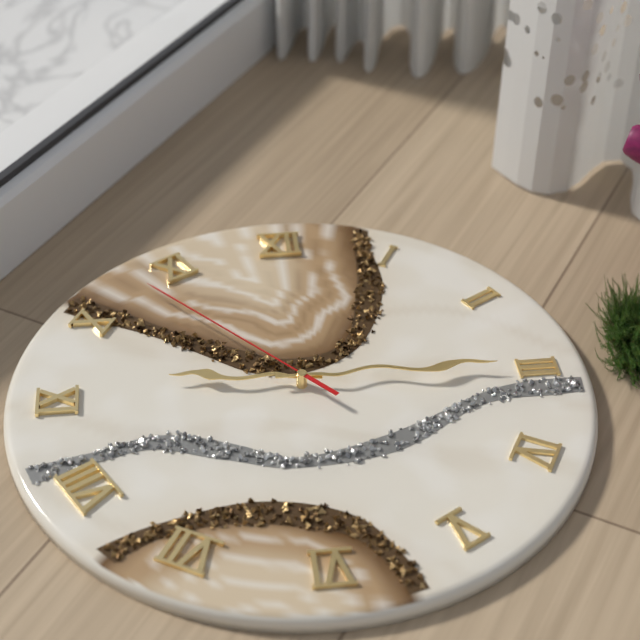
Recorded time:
9,15,53
